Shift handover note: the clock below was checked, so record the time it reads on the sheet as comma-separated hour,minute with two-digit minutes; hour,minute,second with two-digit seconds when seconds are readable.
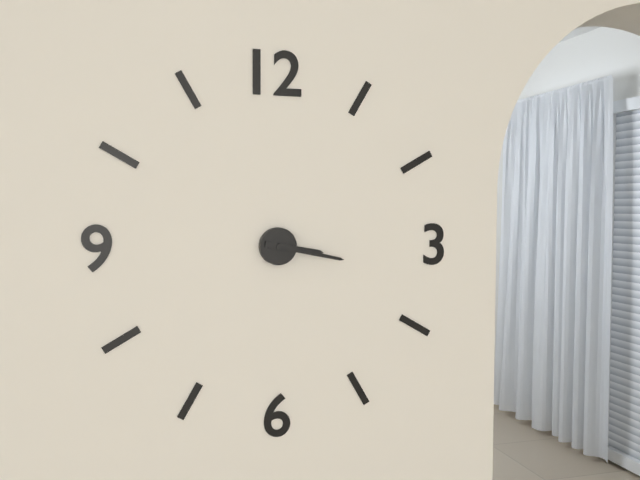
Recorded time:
3,17
